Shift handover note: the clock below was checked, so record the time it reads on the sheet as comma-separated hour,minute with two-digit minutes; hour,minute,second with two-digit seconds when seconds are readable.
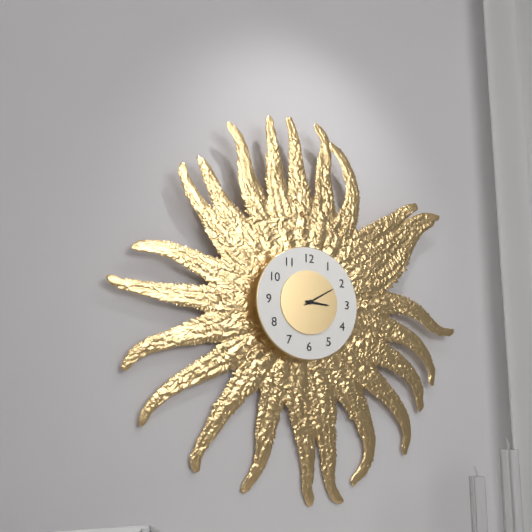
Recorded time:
3,10
